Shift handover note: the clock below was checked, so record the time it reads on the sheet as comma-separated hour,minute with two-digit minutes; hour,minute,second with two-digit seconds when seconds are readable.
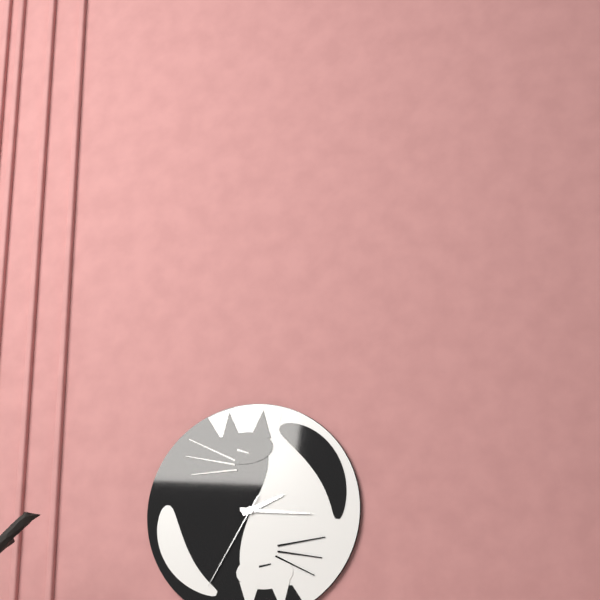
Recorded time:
2,16,35
